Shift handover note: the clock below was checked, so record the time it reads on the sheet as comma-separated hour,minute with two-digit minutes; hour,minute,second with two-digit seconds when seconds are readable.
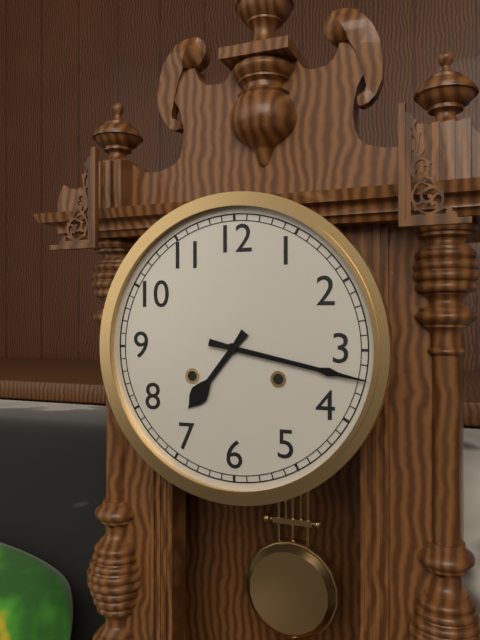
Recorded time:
7,17
